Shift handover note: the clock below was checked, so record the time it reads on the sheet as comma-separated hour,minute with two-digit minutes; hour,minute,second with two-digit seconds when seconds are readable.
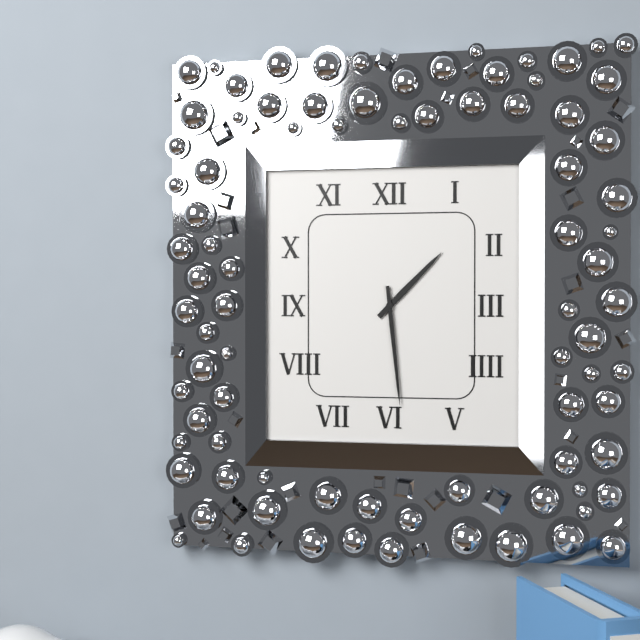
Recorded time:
1,29
